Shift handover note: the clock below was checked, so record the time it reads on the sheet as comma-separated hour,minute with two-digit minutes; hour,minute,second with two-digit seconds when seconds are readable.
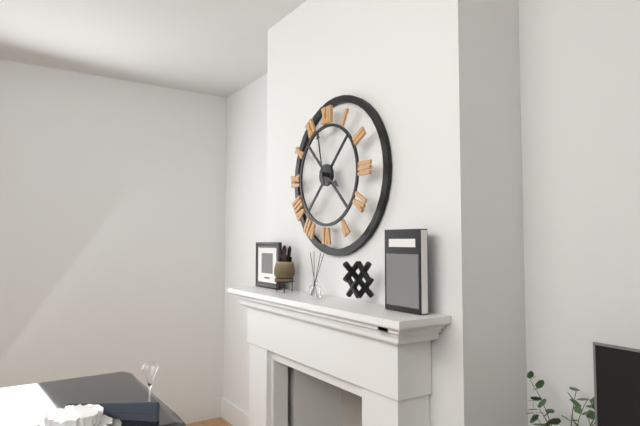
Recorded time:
3,58
